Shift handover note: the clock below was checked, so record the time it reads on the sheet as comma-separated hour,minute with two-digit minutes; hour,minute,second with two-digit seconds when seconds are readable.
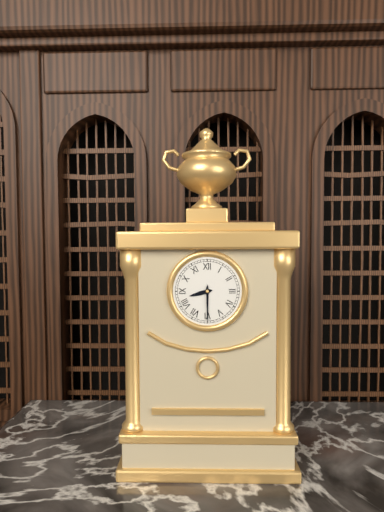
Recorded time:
8,30
